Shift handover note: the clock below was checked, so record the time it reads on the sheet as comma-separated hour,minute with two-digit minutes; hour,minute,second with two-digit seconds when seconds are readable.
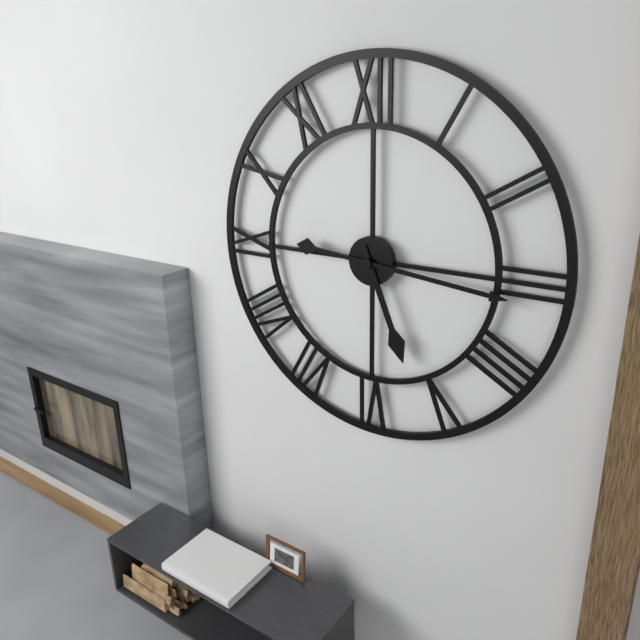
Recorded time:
5,16
